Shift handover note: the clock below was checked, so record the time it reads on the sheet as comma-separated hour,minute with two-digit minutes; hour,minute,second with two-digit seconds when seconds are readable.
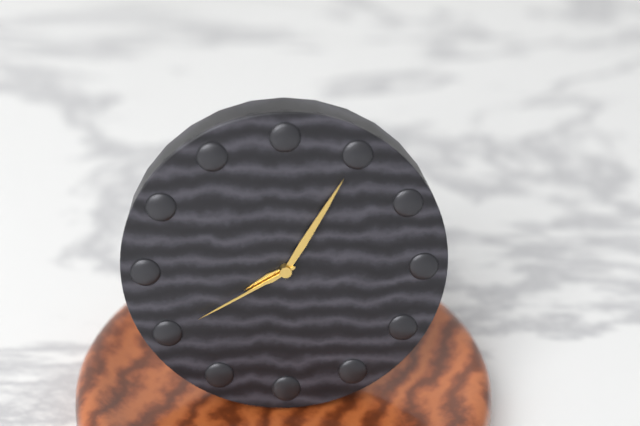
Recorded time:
8,05,40
